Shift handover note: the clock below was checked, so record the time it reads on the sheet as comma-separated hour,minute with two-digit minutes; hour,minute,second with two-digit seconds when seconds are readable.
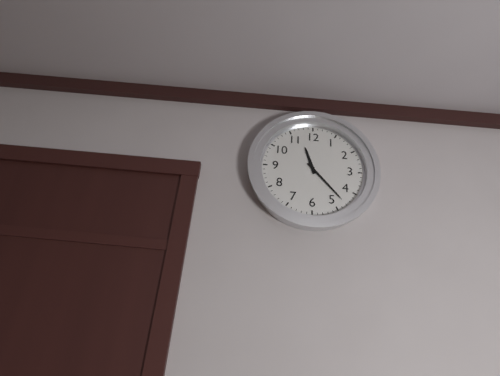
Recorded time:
11,23
